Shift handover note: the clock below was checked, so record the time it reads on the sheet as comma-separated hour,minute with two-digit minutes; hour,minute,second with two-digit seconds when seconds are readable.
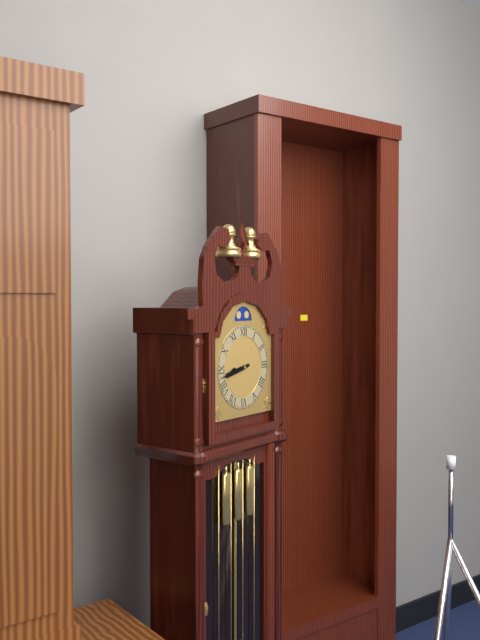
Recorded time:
8,43
